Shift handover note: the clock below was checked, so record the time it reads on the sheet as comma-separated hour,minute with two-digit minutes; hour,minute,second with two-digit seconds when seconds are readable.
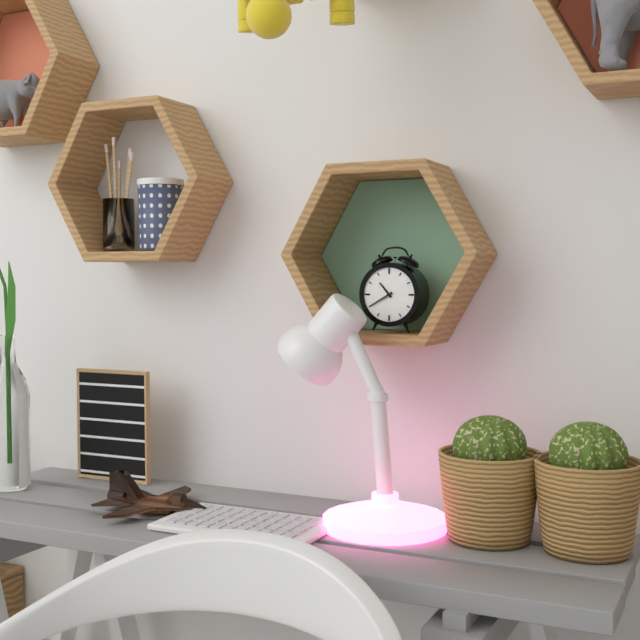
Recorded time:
10,40
